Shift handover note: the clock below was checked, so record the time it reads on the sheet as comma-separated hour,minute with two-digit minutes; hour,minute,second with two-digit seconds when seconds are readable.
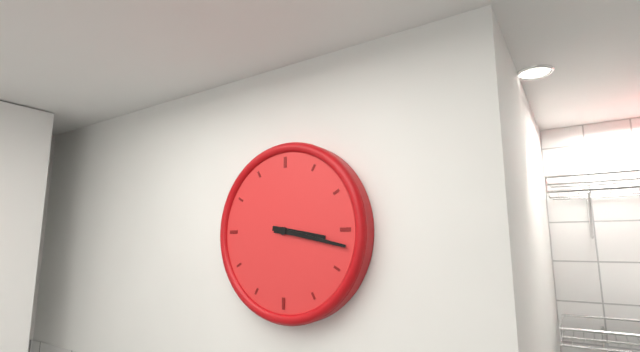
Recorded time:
3,17
